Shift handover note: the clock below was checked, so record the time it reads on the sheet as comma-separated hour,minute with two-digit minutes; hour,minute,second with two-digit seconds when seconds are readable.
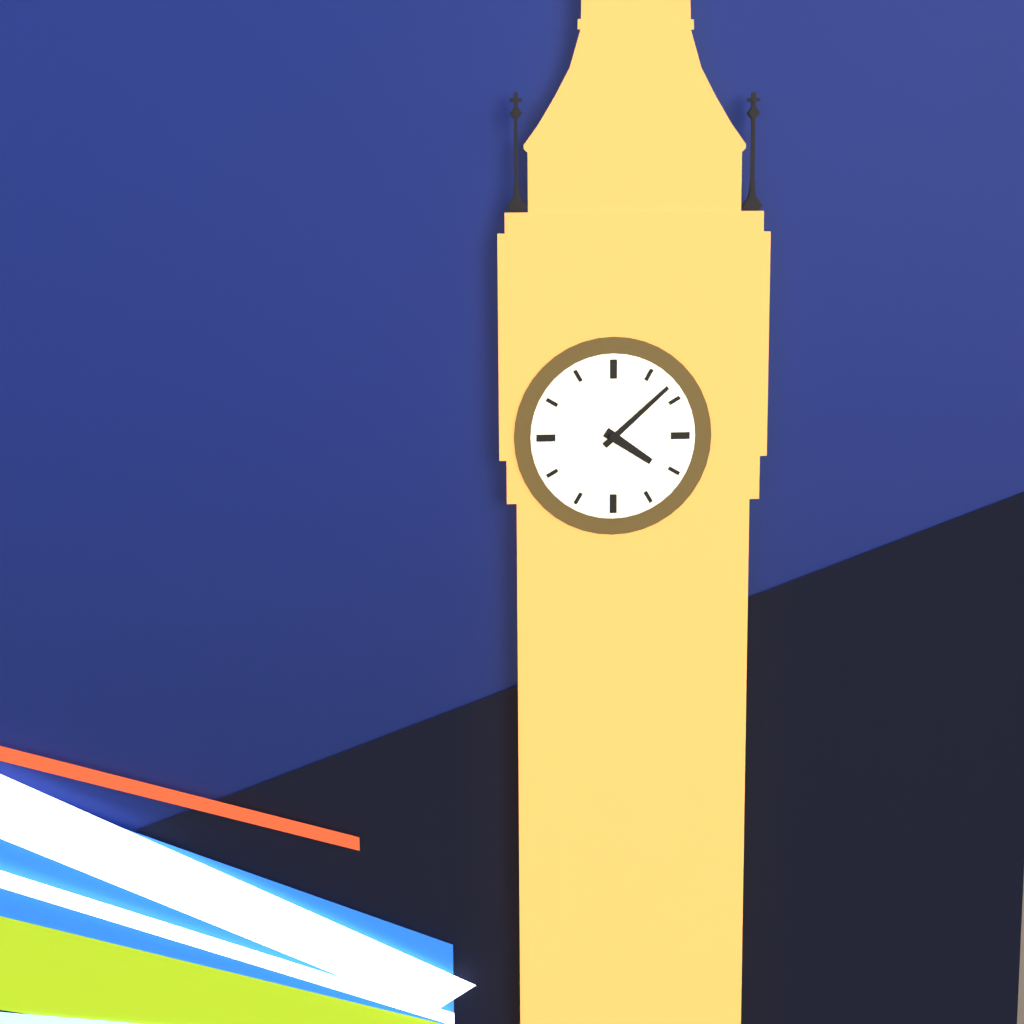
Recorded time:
4,08
